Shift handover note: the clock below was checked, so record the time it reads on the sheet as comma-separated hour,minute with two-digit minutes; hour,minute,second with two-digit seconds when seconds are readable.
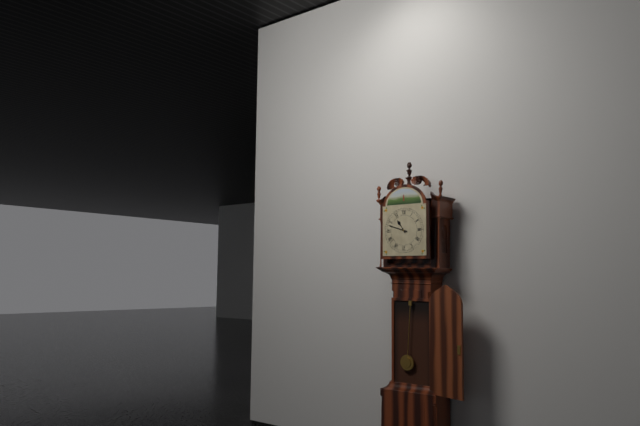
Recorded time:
10,48
